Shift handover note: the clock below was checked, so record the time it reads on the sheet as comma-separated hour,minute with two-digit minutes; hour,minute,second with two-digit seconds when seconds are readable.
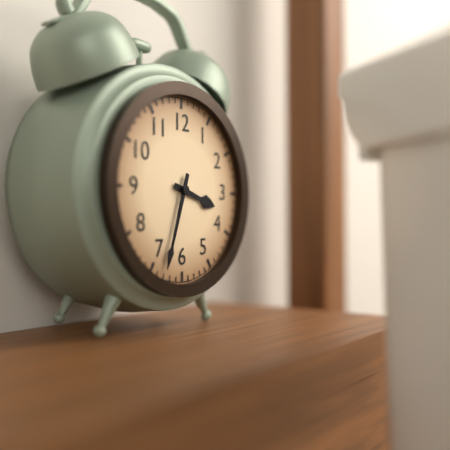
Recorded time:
3,33
